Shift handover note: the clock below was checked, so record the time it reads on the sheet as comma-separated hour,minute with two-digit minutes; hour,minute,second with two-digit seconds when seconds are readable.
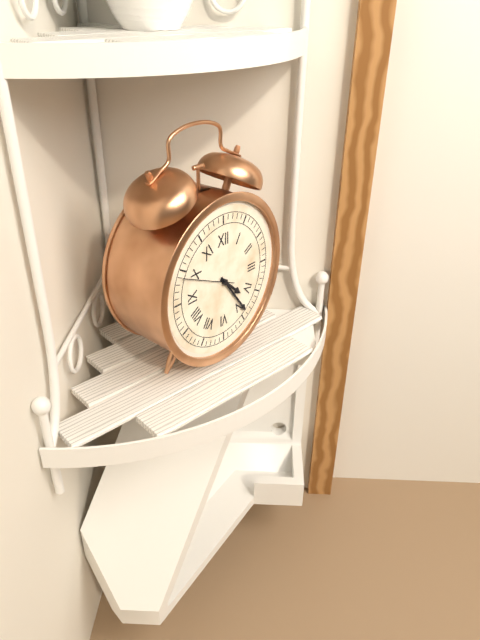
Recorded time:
4,24,49
